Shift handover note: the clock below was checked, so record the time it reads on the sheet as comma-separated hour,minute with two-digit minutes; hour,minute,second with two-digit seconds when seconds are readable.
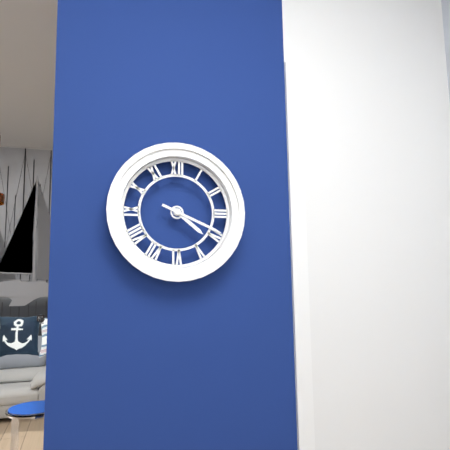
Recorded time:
4,19
